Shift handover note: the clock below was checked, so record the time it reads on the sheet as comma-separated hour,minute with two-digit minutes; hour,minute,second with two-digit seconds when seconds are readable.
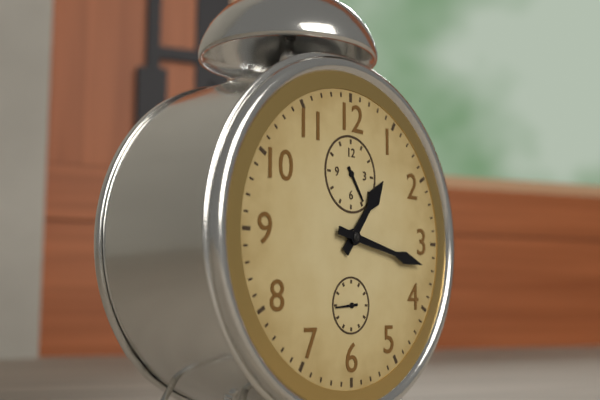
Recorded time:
1,17
